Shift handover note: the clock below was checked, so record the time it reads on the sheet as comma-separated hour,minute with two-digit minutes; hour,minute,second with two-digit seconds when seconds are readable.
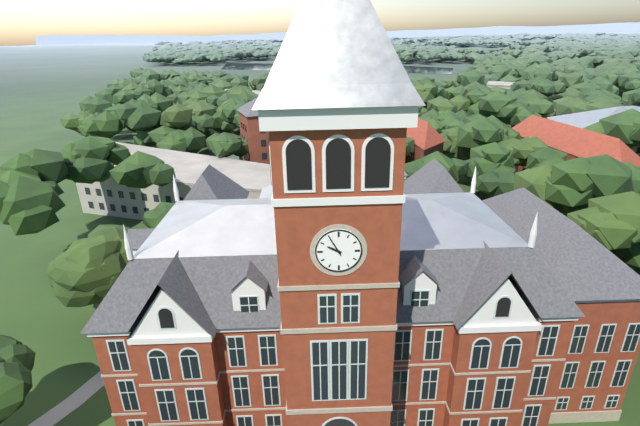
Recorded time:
9,55
